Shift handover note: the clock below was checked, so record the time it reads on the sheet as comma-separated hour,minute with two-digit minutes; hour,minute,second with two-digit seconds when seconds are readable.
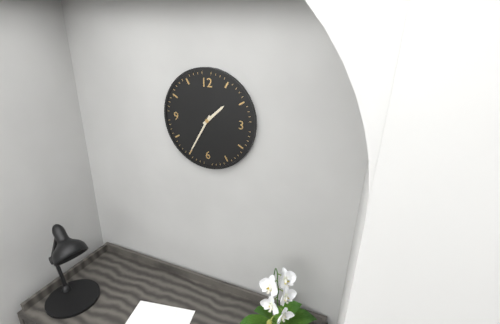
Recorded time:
1,35
